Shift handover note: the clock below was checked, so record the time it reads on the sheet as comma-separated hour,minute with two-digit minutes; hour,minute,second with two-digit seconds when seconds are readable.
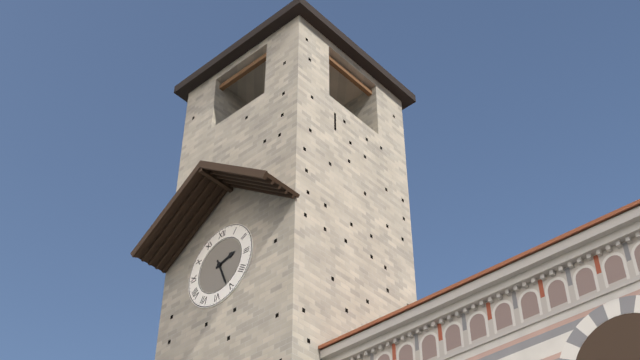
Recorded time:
2,26
